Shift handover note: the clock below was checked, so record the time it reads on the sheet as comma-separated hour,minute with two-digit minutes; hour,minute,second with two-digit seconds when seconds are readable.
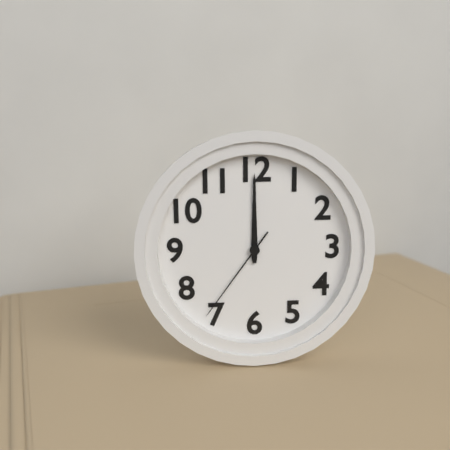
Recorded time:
12,00,36
